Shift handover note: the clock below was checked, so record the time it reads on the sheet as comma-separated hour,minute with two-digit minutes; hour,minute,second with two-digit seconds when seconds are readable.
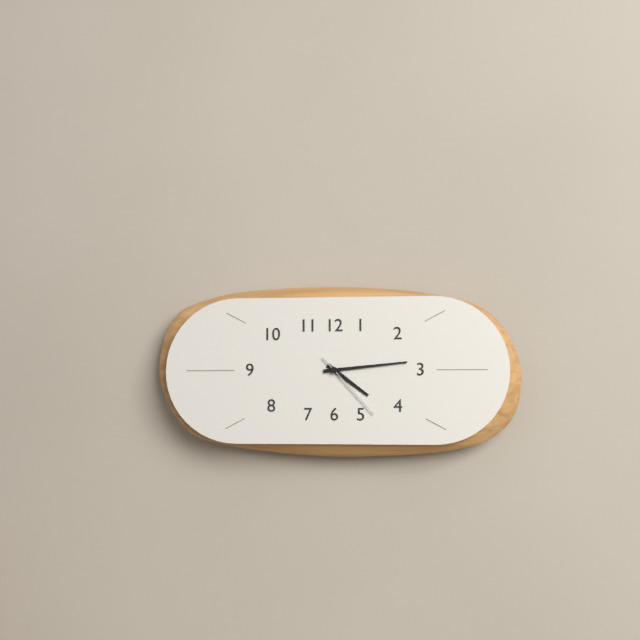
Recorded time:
4,14,23
